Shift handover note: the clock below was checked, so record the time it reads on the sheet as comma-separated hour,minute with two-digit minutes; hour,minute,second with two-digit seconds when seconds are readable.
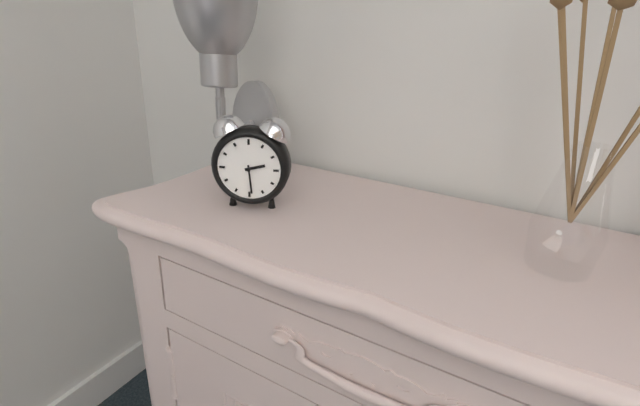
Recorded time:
2,29
